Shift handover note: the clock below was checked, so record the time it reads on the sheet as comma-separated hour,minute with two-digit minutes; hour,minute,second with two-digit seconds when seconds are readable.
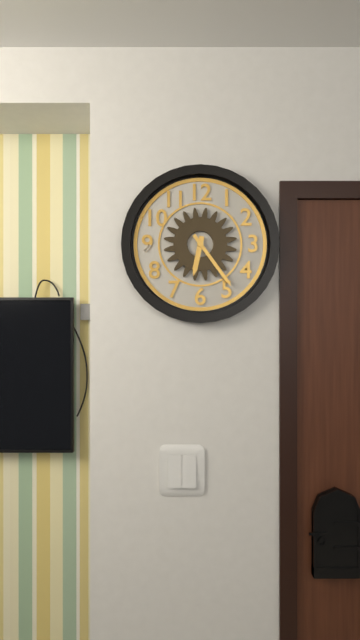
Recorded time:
6,24
